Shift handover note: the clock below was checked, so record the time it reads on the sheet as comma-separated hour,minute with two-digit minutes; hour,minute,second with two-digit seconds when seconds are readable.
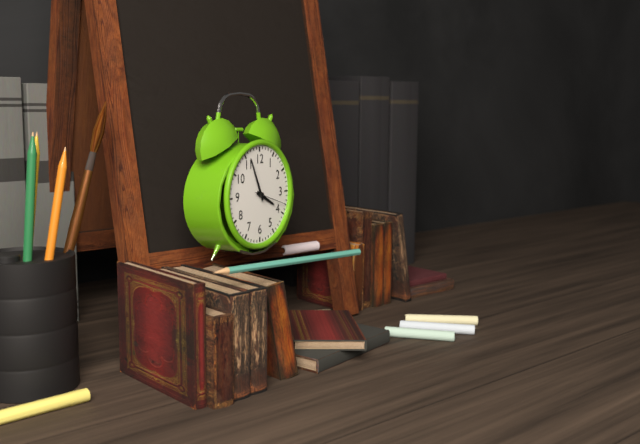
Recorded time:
3,56
